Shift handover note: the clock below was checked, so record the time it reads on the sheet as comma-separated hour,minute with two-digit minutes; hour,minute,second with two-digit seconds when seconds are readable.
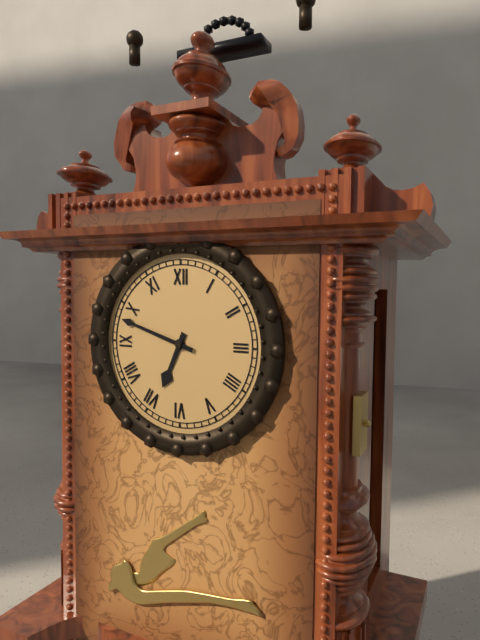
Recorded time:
6,48
